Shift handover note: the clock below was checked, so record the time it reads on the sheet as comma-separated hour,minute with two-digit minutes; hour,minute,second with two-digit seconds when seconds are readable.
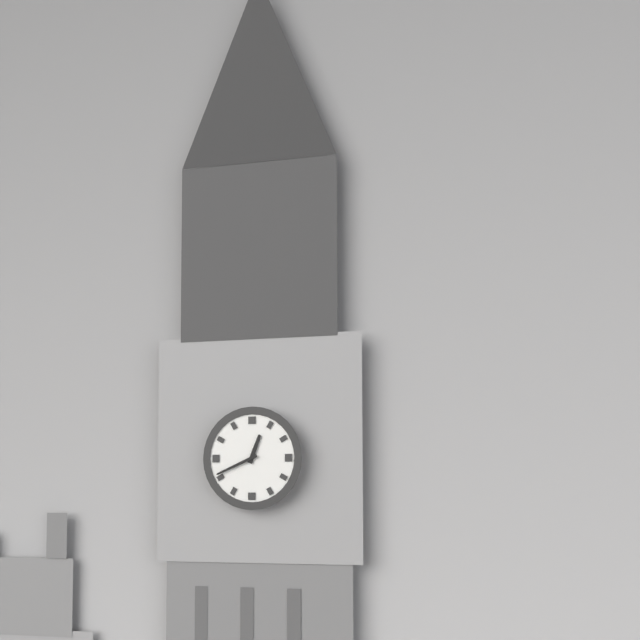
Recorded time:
12,41
